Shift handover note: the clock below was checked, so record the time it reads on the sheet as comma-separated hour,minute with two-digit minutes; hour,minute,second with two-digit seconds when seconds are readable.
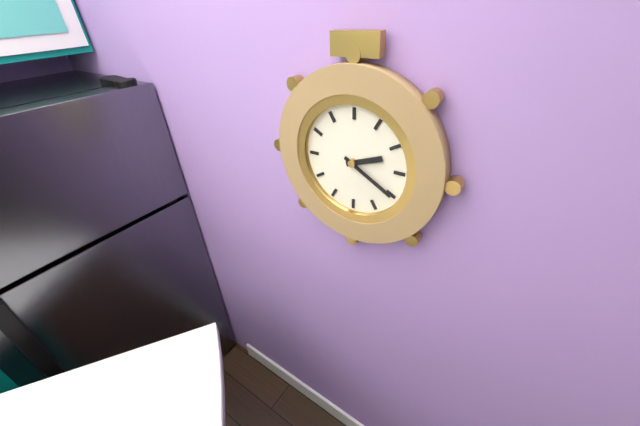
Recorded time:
2,20
